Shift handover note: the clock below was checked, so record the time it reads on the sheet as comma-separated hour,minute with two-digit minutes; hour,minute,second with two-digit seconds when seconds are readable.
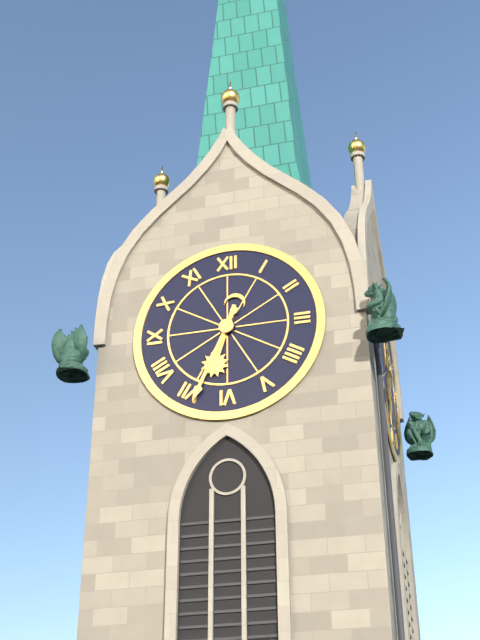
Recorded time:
6,34
